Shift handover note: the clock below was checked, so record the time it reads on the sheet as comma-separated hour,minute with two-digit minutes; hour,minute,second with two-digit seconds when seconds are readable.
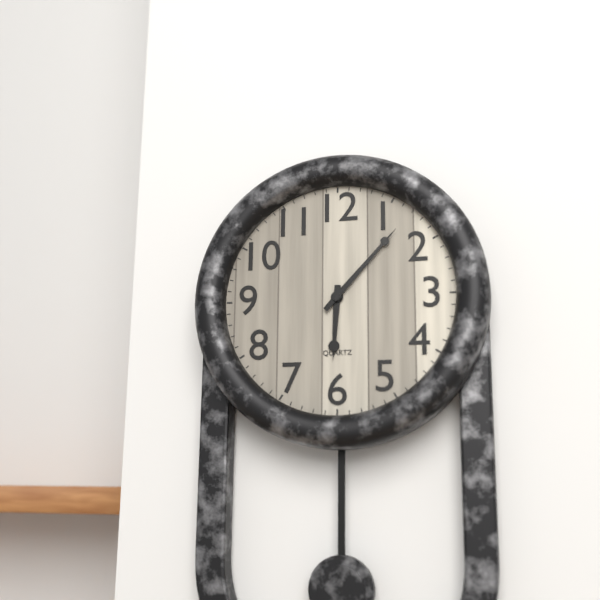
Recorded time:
6,07
